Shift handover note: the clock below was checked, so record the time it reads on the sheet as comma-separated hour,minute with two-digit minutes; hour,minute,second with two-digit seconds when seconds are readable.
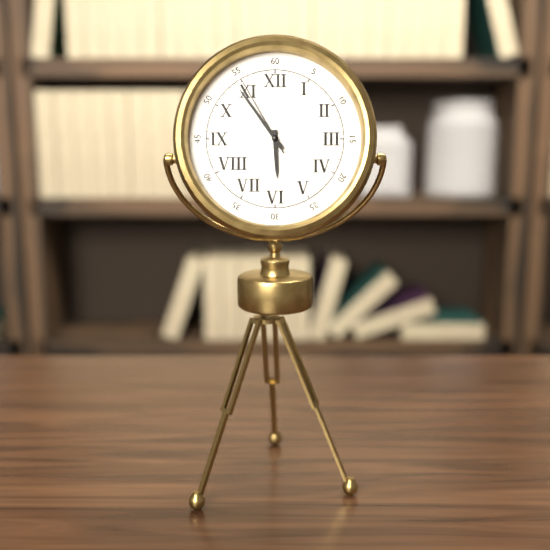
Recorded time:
5,54,55
